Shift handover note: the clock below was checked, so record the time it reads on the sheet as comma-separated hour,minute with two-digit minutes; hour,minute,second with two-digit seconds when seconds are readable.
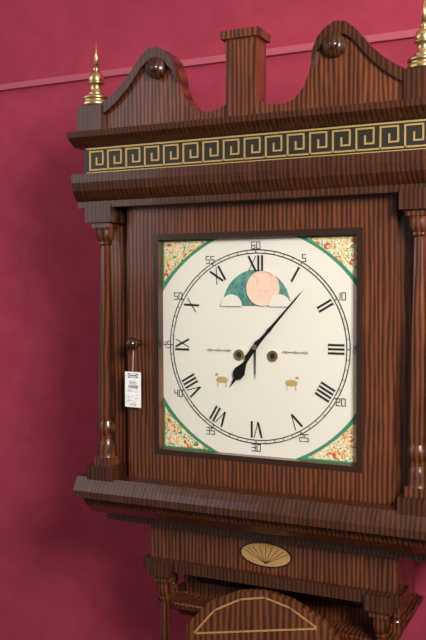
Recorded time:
7,07
